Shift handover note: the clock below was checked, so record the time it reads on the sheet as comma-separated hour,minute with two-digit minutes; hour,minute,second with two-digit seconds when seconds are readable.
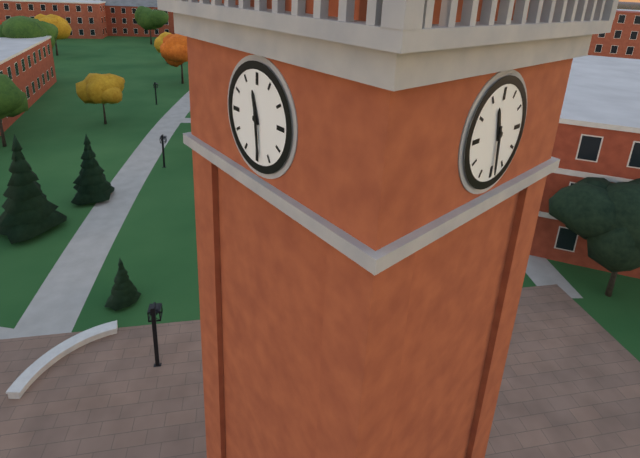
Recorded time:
11,29
